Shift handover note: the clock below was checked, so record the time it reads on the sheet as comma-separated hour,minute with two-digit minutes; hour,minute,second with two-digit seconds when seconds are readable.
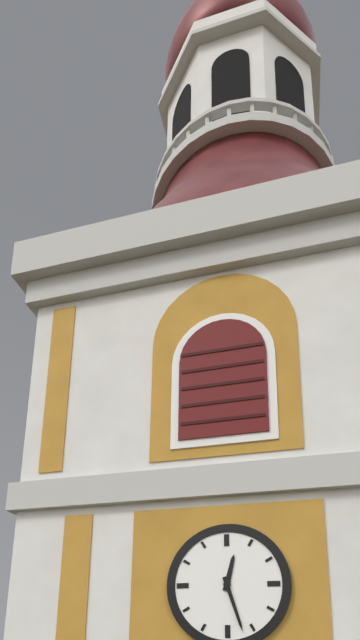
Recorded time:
12,27
